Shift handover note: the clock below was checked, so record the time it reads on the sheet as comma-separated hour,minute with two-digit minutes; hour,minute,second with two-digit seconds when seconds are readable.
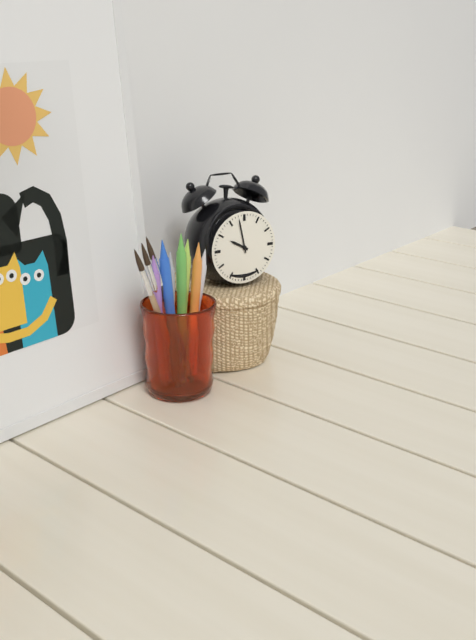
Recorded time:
9,58
